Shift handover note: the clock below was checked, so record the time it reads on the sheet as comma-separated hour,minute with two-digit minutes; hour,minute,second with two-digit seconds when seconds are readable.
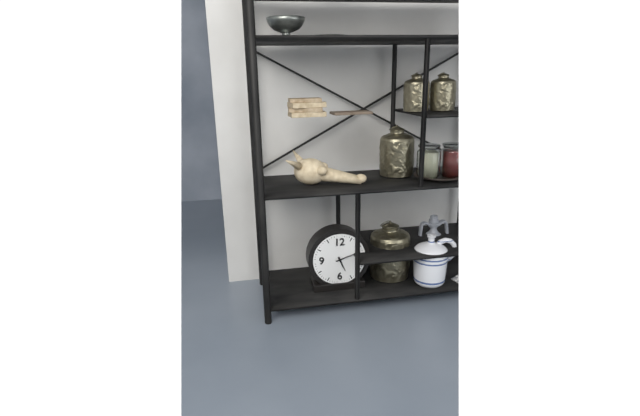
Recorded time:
5,12
